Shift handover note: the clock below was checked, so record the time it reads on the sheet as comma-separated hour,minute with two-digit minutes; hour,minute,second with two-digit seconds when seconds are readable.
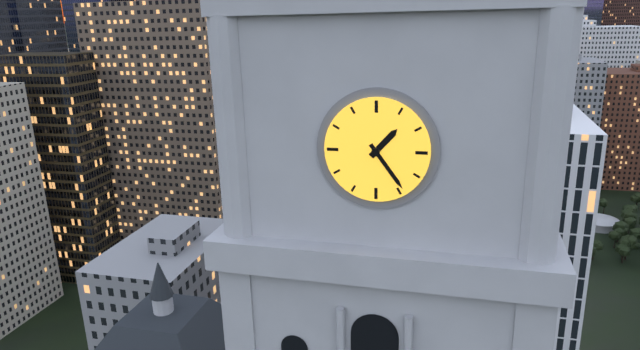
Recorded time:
1,24
